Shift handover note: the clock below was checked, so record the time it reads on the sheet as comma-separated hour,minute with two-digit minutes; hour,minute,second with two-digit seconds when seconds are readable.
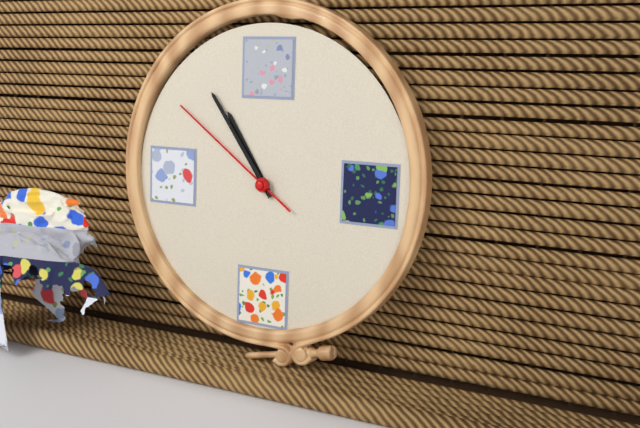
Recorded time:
10,54,51
